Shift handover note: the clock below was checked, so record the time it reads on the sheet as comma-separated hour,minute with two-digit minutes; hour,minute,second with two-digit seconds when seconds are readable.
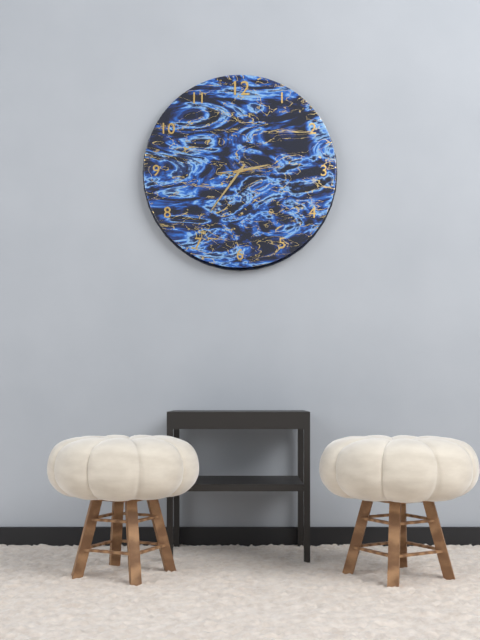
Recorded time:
2,36,14
